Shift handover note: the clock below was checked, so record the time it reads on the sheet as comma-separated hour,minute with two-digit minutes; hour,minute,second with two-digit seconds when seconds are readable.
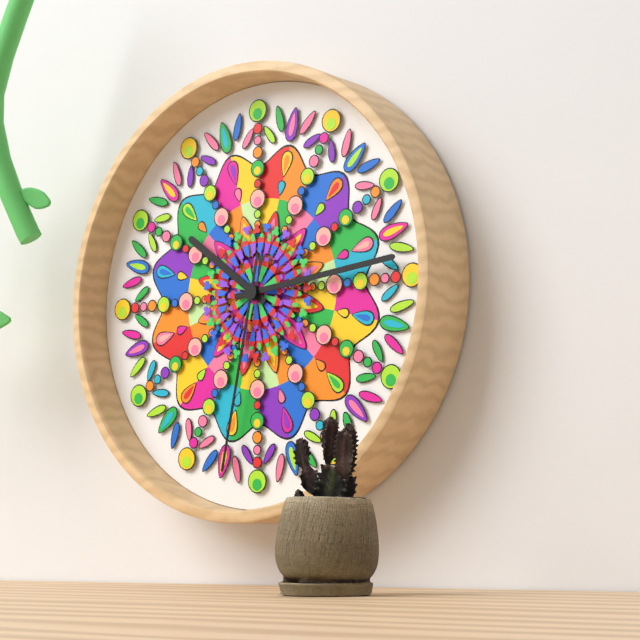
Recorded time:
10,14,32
